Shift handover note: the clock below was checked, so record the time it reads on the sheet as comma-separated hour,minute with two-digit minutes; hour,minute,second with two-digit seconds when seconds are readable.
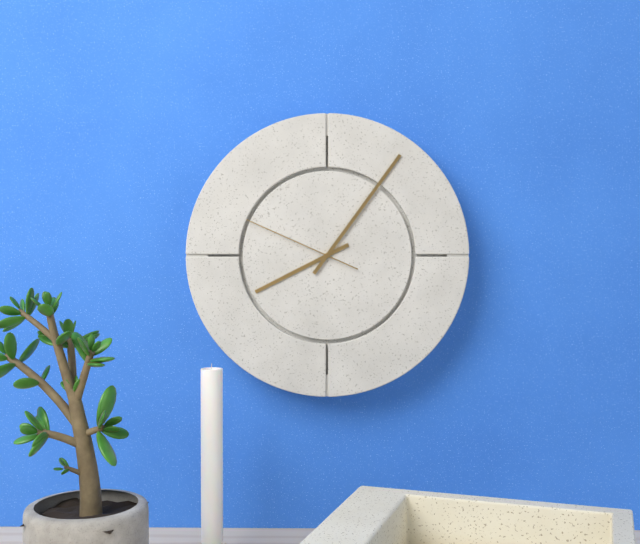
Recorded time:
8,06,49
